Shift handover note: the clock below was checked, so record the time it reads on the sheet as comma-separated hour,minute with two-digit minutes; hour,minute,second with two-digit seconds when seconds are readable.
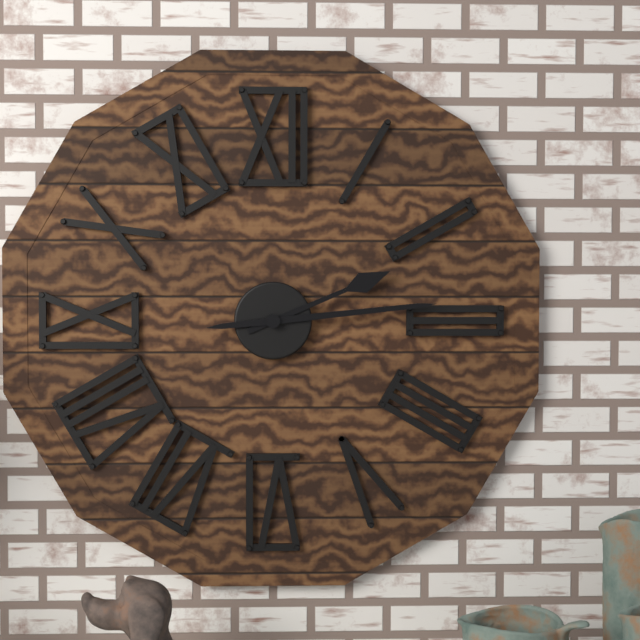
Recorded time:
2,14
